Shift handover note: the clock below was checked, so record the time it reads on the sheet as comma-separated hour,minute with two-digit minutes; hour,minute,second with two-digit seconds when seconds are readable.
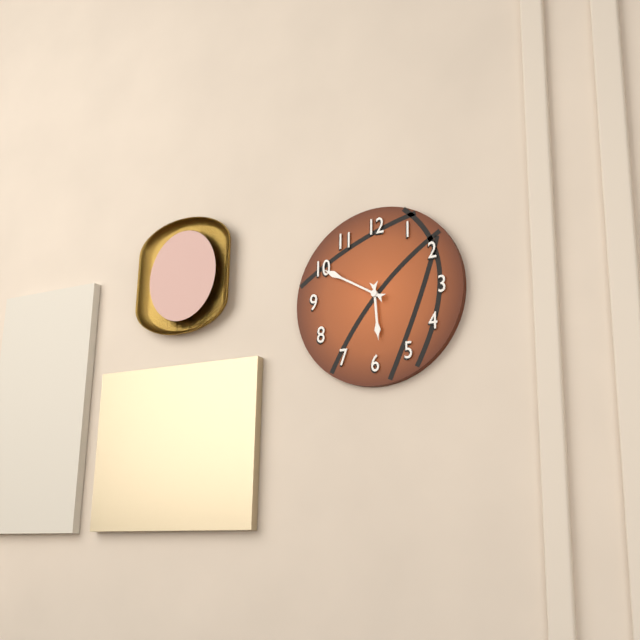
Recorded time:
5,50
